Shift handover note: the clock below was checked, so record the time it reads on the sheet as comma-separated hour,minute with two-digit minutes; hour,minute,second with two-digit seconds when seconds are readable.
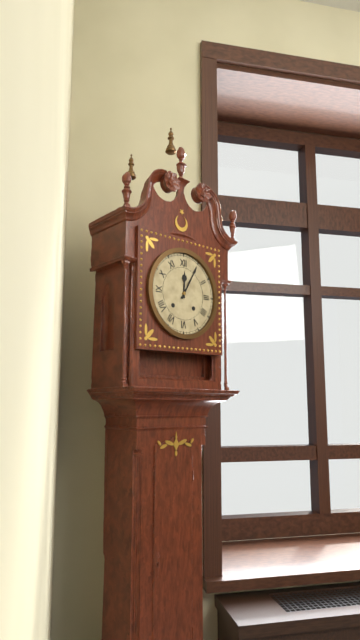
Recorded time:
12,05
